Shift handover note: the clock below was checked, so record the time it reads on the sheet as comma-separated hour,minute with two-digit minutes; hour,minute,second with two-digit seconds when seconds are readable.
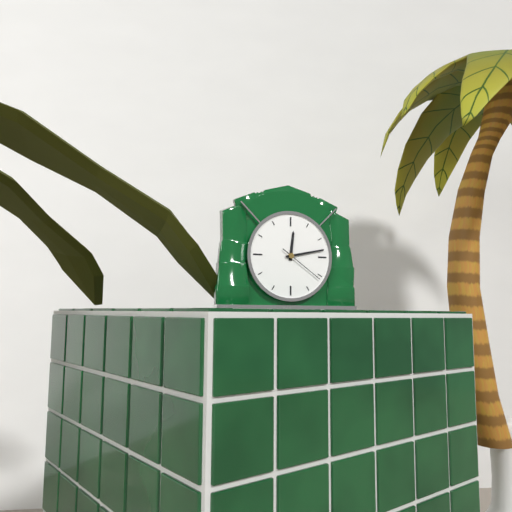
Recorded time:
12,13
